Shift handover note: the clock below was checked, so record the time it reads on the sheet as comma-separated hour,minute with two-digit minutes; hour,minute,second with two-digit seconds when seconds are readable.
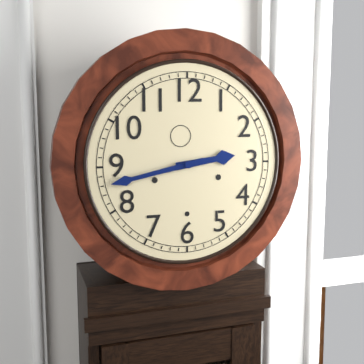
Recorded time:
2,43
